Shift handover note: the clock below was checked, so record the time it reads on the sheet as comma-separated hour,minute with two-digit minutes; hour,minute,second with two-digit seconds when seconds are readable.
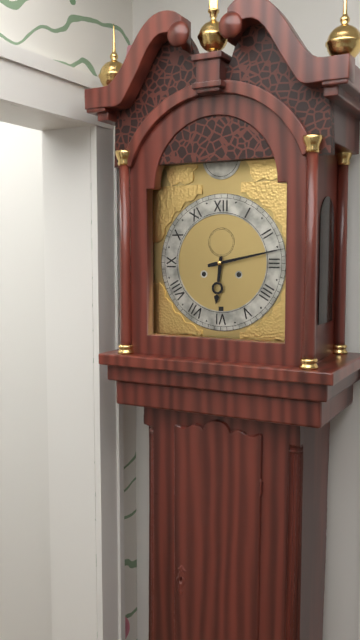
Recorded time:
6,13
